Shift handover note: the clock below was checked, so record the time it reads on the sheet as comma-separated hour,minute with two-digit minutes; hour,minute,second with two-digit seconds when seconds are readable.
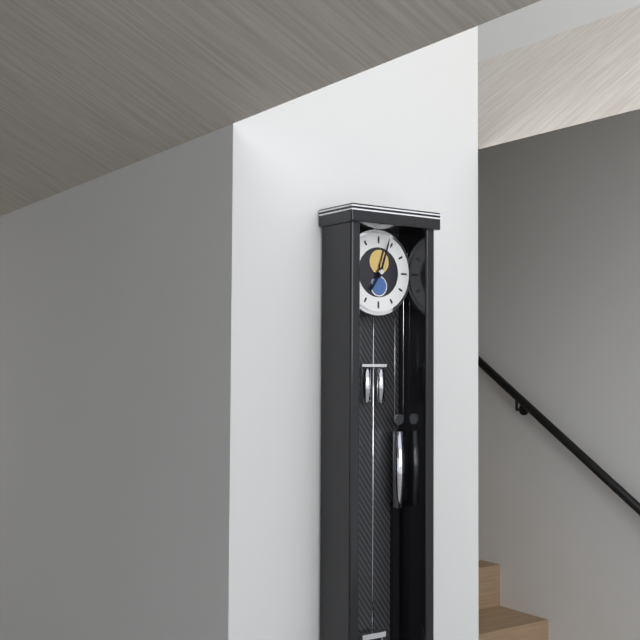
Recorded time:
7,03
